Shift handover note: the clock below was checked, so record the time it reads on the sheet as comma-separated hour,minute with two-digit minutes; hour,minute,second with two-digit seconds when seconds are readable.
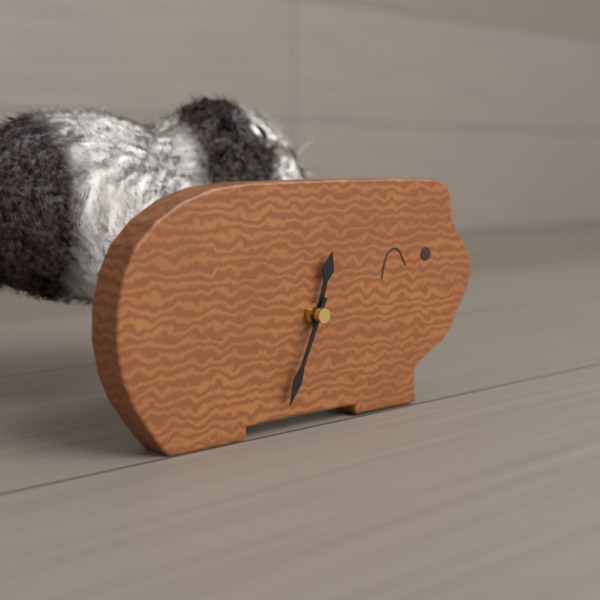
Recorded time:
12,34
